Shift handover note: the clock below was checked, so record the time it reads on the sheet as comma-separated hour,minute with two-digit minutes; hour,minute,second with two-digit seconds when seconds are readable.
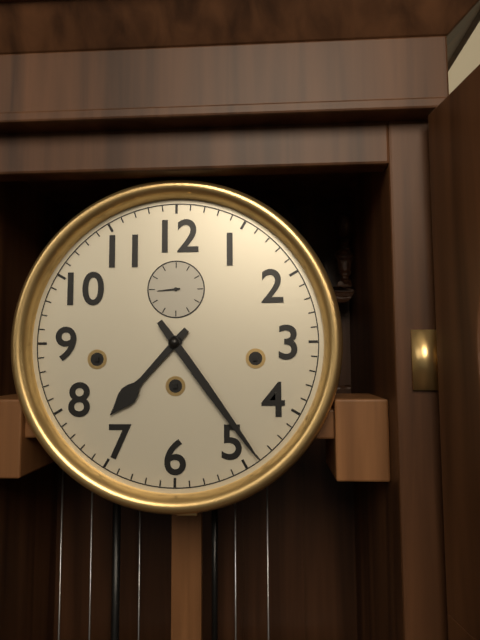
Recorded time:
7,24
